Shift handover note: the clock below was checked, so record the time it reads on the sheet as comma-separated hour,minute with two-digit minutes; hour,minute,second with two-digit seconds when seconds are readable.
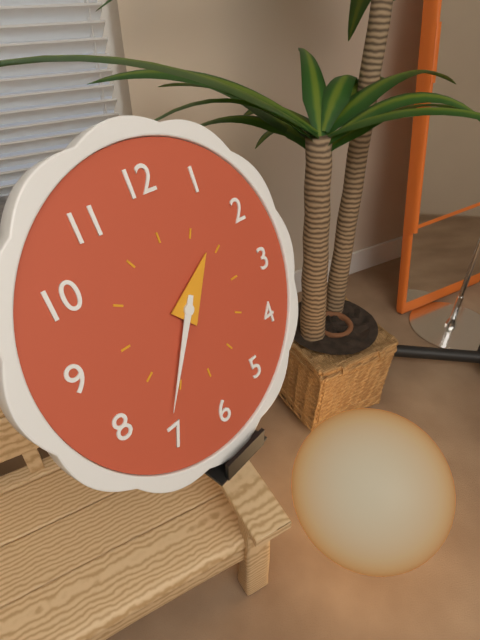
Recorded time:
1,36
